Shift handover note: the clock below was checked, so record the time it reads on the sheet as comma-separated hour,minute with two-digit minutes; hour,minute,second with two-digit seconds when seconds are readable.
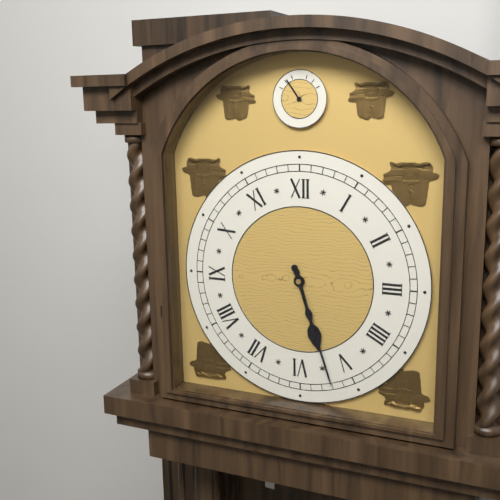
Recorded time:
5,27
